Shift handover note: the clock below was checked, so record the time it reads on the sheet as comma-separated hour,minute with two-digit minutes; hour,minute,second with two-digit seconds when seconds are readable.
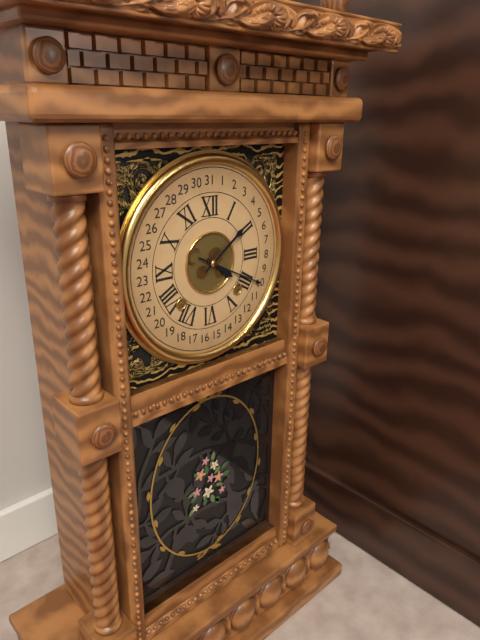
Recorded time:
4,09
